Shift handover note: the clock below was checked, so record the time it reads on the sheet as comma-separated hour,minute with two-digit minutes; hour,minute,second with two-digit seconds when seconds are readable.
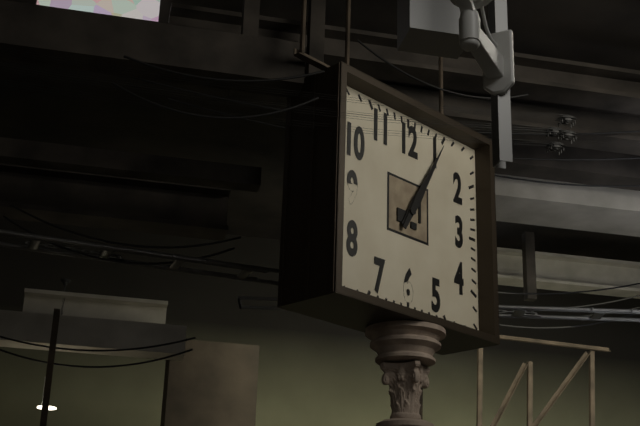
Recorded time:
1,05
